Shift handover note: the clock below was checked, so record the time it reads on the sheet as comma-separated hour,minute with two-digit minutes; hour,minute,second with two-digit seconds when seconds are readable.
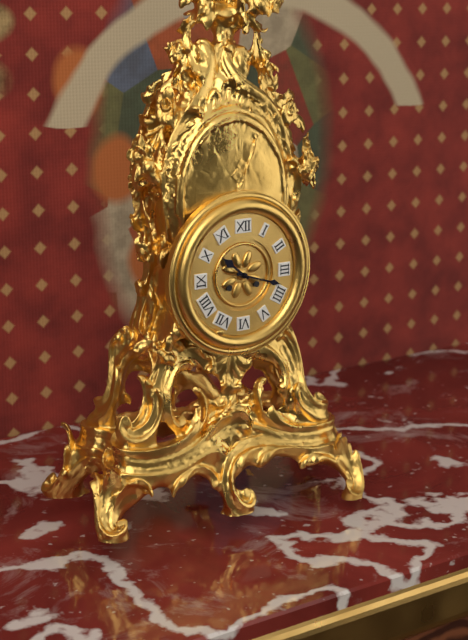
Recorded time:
10,18
